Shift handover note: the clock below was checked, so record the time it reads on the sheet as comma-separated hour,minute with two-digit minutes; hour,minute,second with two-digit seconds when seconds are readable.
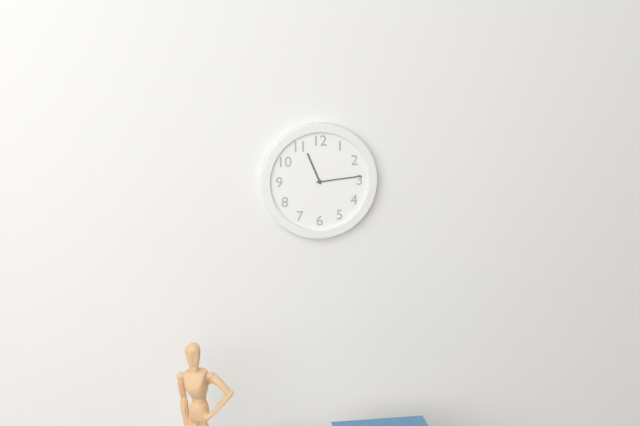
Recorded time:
11,14
